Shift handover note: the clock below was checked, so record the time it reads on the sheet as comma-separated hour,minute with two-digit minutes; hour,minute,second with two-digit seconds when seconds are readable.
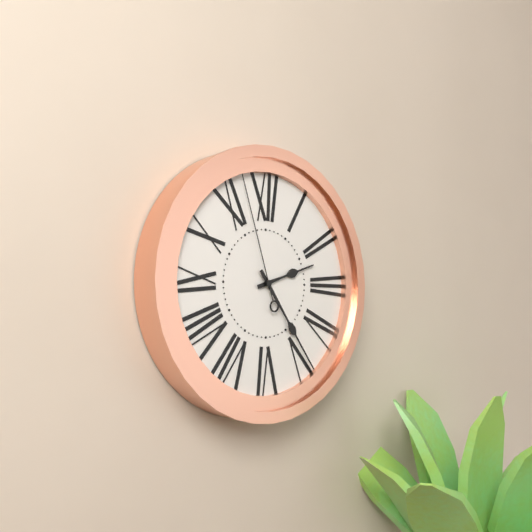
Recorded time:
2,24,57
